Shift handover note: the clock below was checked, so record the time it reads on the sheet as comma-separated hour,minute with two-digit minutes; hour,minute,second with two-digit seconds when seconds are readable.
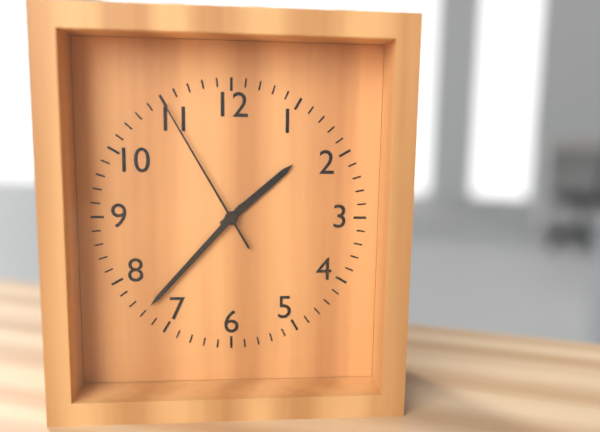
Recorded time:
1,37,55
